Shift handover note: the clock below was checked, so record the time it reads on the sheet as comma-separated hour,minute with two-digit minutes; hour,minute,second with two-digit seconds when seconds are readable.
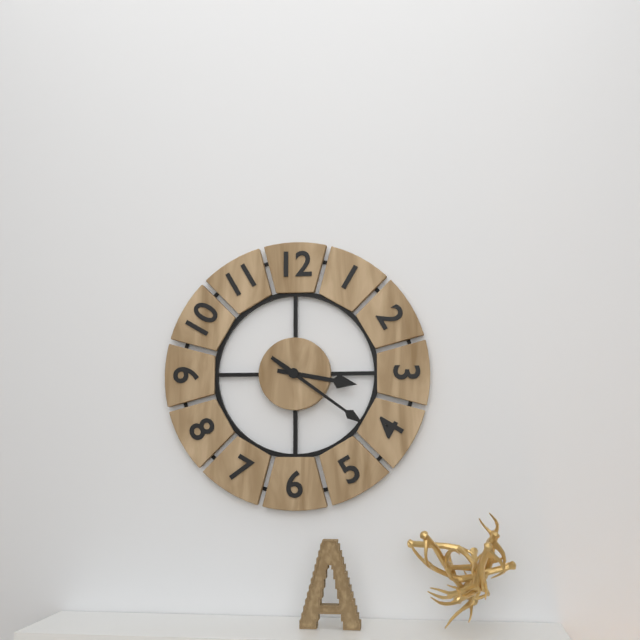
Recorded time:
3,21
